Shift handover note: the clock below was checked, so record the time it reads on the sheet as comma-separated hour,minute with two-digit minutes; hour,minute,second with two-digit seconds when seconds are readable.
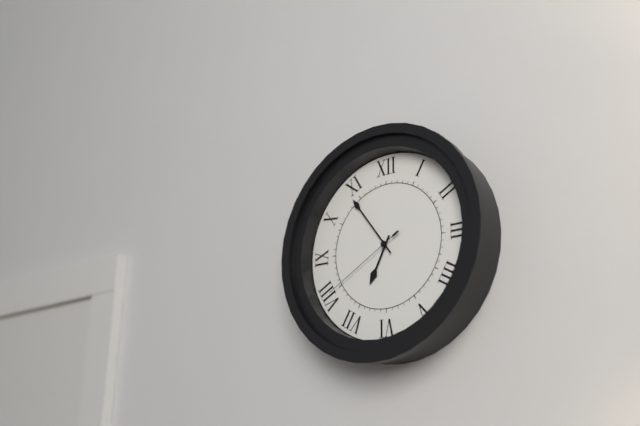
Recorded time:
6,54,40
